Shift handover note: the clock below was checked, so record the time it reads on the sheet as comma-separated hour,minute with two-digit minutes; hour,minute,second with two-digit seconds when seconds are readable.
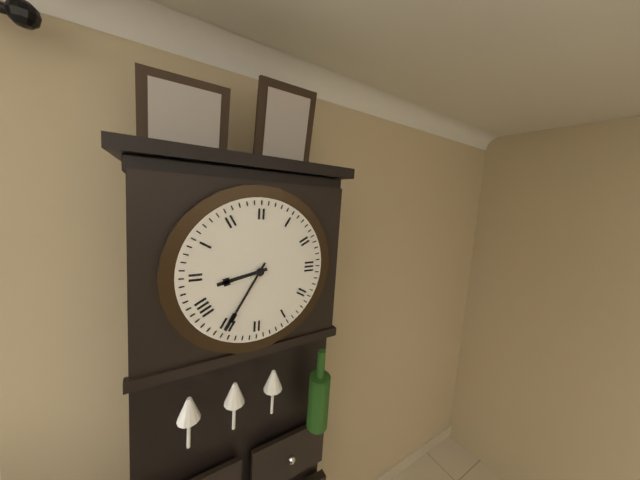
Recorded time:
8,35
